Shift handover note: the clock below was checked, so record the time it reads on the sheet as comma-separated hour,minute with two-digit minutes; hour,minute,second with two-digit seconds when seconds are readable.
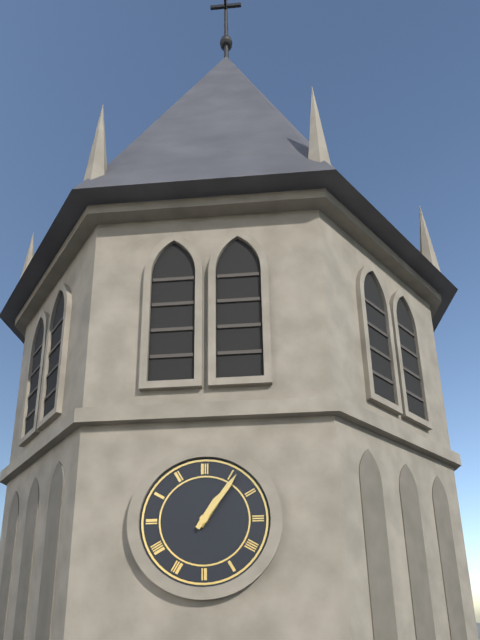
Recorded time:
1,06
